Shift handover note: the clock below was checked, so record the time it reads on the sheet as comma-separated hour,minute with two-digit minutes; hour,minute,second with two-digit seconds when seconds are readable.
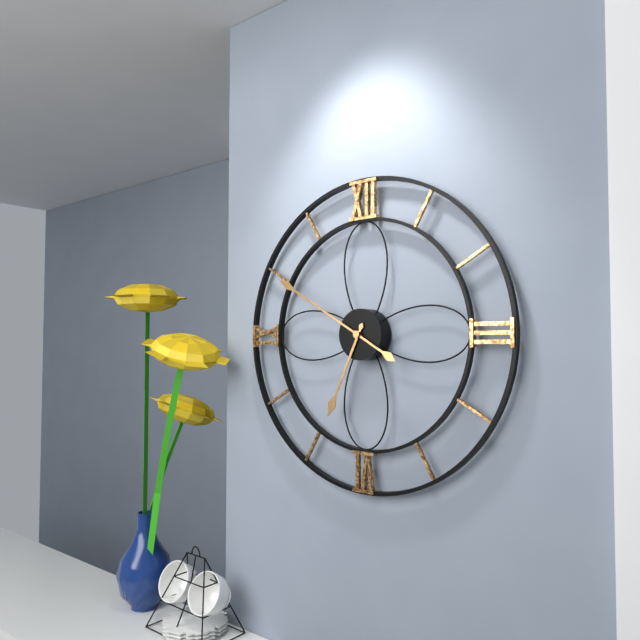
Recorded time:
6,50
